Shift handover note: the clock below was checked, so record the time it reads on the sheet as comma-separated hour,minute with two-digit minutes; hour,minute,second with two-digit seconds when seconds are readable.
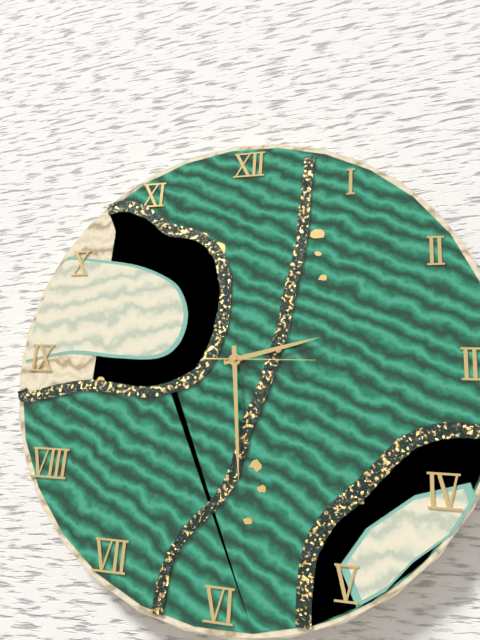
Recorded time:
2,29,15
